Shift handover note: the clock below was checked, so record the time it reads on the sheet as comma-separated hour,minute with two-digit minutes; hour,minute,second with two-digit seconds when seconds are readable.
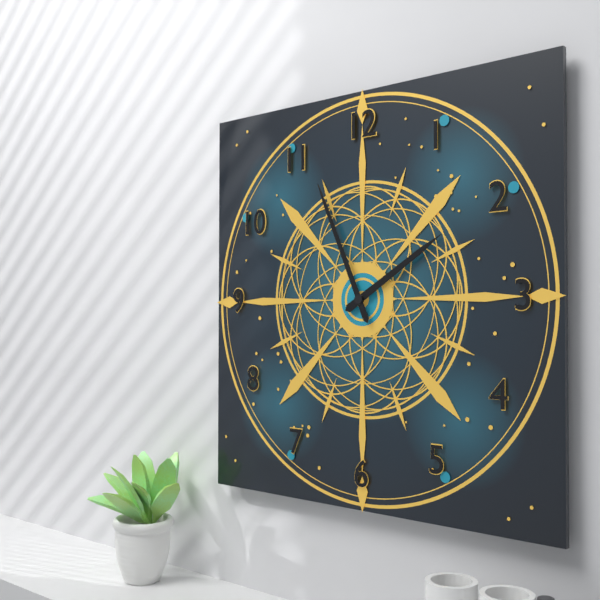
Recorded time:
1,56
